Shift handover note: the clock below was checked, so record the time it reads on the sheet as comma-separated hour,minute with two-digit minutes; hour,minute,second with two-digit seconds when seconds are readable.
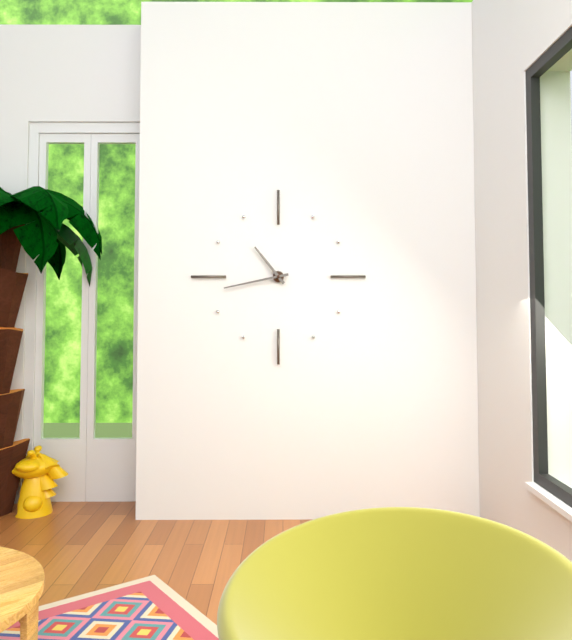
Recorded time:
10,43
